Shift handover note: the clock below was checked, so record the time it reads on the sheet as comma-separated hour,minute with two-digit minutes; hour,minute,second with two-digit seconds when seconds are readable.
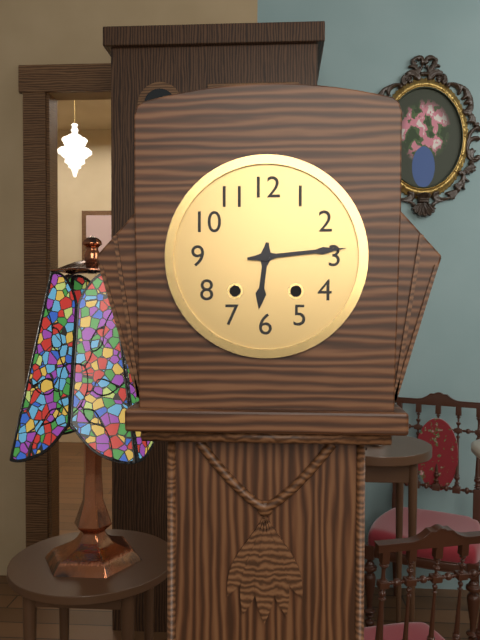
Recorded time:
6,14
